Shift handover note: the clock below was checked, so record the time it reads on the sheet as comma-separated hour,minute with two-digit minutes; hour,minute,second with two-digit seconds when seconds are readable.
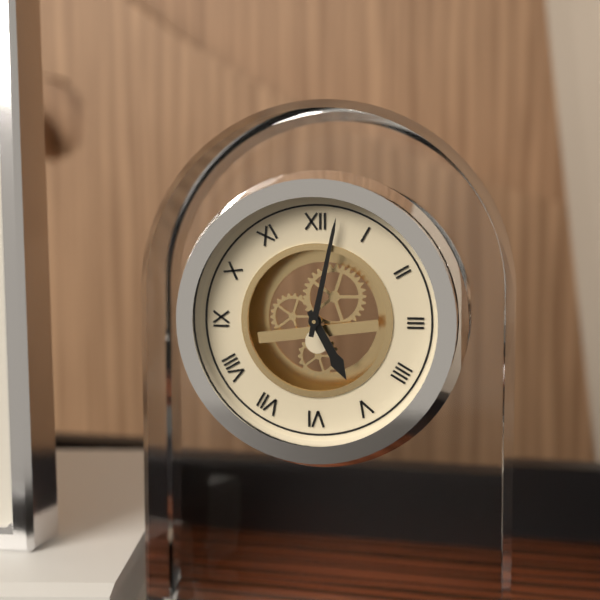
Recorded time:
5,02
